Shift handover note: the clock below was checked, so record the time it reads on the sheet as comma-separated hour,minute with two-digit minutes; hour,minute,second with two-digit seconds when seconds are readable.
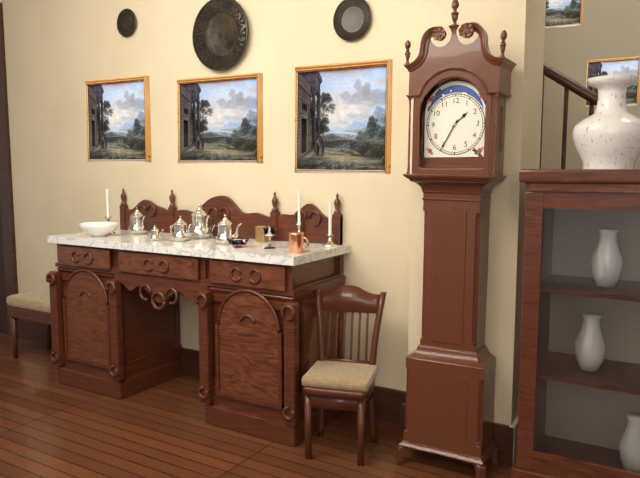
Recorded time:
1,35
